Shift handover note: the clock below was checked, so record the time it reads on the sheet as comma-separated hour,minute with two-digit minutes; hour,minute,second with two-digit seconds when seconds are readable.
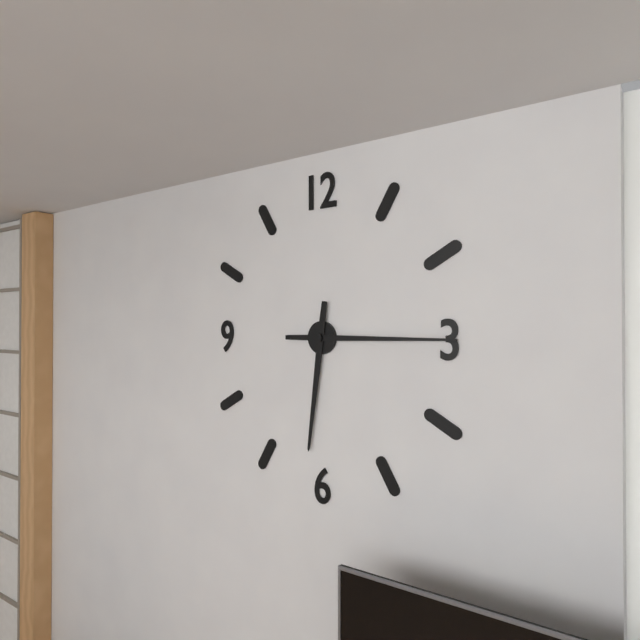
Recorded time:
6,15
